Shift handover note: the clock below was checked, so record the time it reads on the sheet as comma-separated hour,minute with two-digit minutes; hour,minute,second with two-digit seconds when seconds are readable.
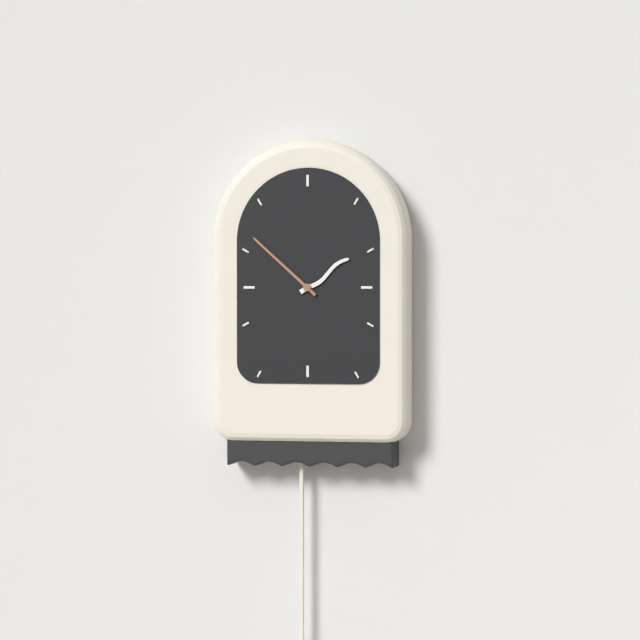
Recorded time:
1,52
